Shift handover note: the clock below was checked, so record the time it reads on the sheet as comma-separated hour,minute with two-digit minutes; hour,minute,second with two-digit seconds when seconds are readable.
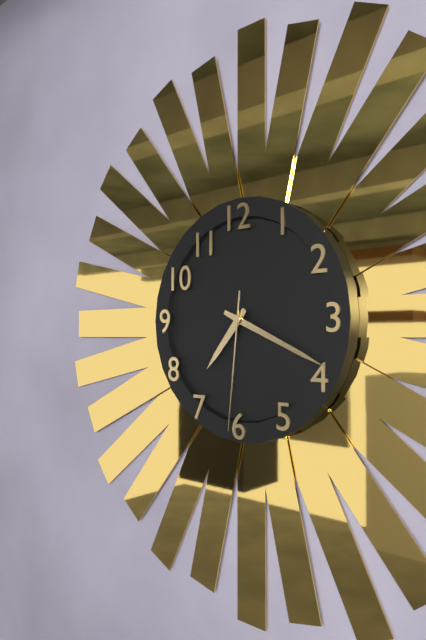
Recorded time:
7,19,31
